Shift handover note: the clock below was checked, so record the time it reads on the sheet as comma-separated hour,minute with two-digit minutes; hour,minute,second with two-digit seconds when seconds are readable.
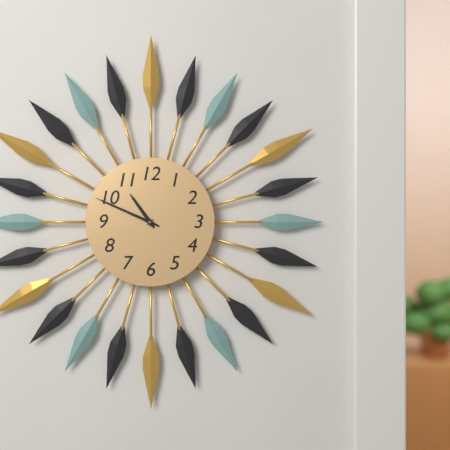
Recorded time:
10,49
